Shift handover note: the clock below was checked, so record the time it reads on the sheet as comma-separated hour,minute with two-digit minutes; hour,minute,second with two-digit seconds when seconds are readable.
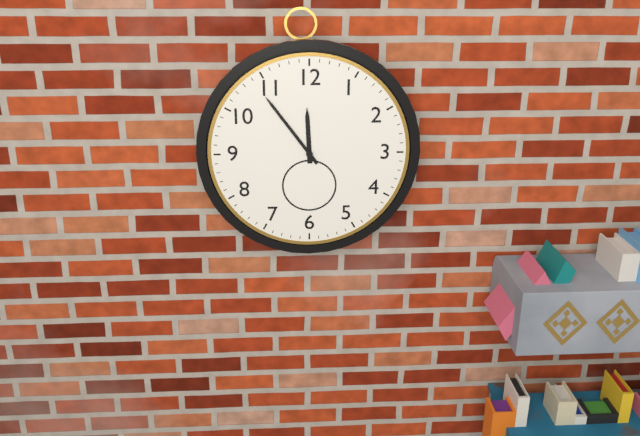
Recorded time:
11,54
